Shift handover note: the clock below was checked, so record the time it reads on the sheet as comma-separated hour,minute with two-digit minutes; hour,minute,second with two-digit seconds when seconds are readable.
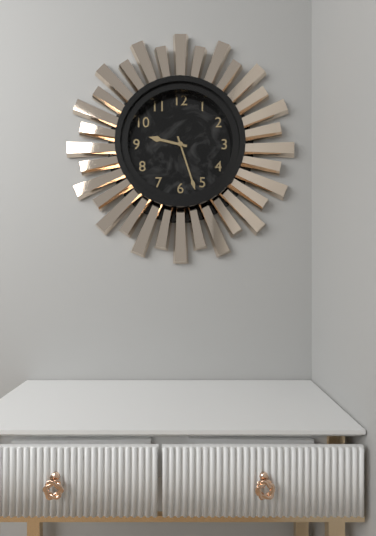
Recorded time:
9,27
